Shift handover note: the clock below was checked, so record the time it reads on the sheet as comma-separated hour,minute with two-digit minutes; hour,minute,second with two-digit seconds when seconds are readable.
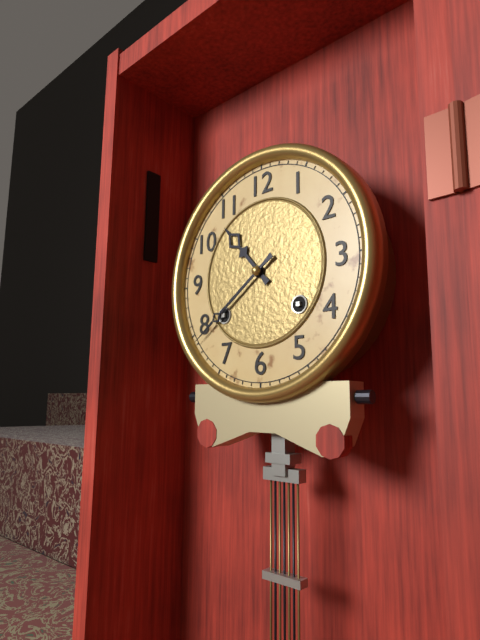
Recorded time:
10,39
